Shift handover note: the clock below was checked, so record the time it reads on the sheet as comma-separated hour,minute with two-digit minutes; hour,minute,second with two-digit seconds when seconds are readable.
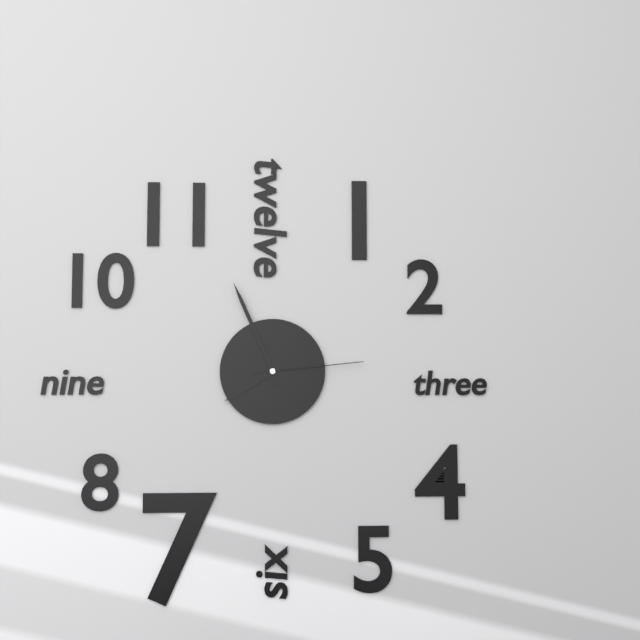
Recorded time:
7,56,14
